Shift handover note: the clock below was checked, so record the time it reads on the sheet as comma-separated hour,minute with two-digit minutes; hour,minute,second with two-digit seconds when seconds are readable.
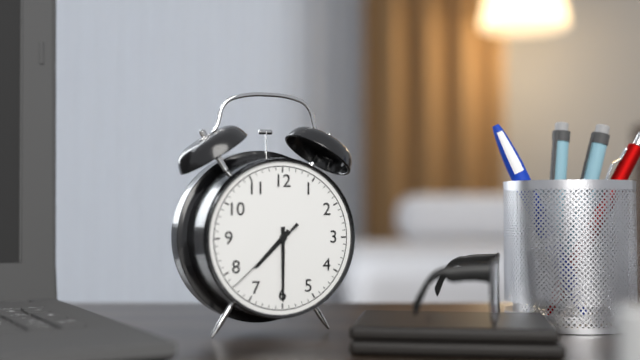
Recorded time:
7,30,38
